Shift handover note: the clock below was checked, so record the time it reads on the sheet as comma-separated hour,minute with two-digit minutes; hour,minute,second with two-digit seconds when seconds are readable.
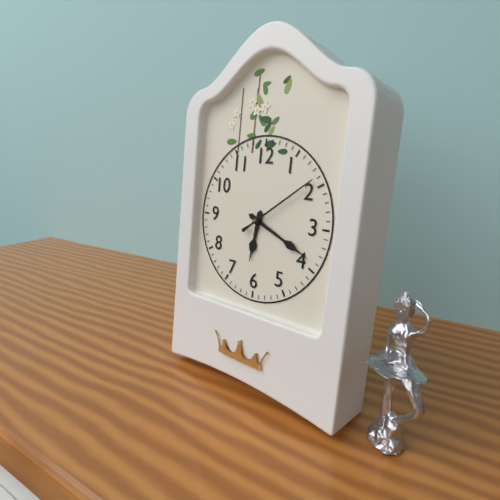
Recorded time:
6,19,09
